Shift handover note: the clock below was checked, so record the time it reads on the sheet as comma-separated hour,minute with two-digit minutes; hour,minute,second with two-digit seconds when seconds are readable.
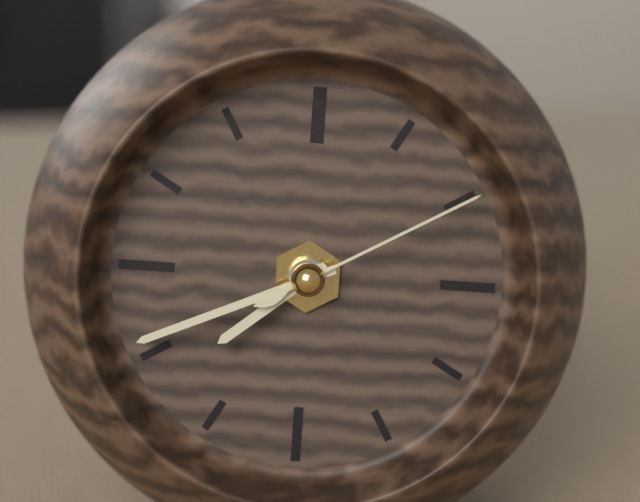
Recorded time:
7,41,10
